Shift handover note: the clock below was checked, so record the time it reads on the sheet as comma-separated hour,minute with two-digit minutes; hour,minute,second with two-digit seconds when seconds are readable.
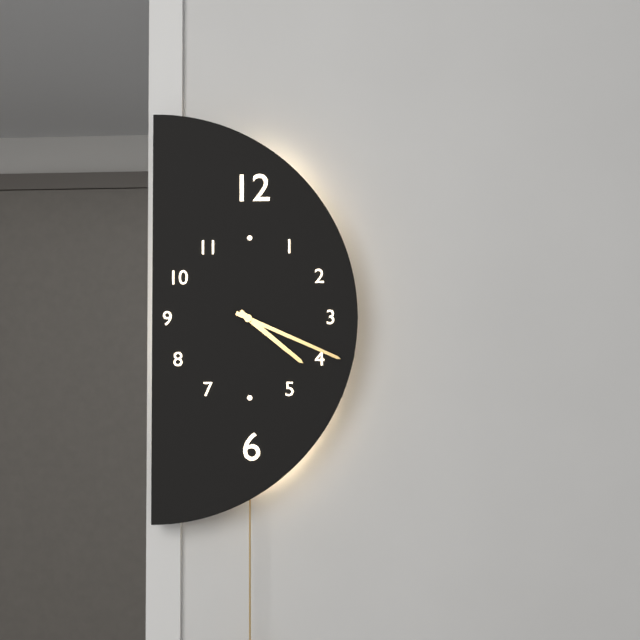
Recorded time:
4,19
